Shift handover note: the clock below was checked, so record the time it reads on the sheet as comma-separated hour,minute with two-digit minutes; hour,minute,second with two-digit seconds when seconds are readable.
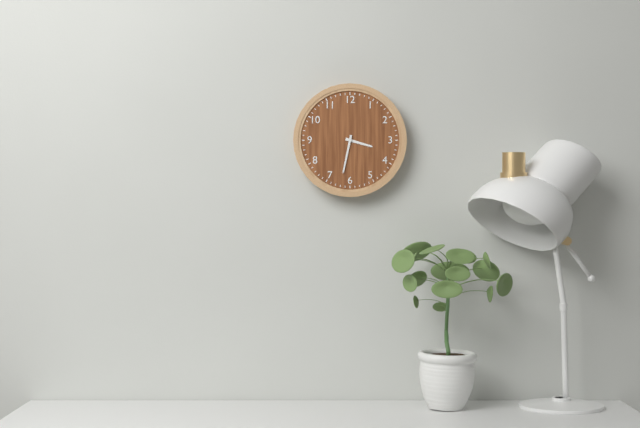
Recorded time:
3,32
